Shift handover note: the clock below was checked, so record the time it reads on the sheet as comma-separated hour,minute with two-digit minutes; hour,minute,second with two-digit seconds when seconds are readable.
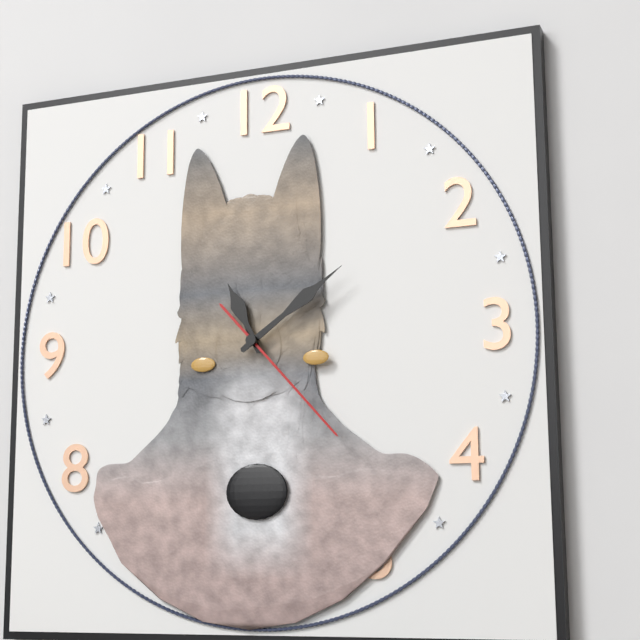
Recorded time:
11,09,23
